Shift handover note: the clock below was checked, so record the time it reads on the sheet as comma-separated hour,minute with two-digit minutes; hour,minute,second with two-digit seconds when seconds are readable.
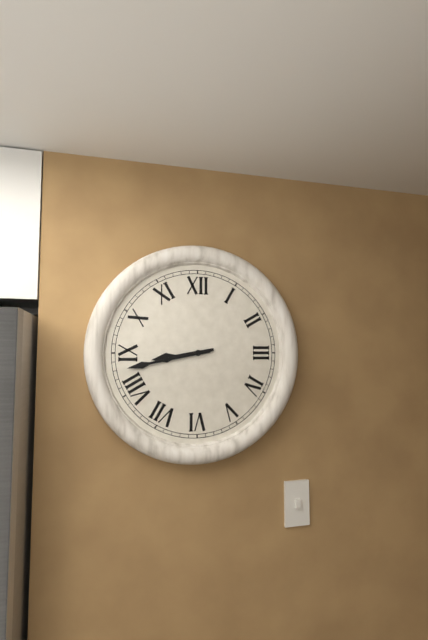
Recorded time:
8,43
